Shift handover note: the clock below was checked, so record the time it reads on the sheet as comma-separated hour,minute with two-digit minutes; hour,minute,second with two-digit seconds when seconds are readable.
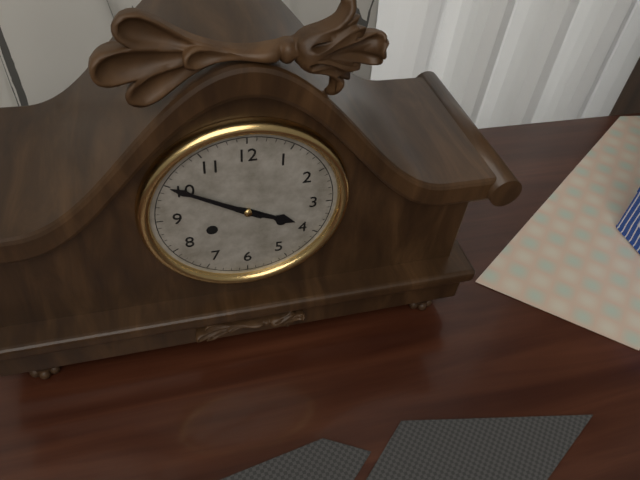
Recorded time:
3,50
